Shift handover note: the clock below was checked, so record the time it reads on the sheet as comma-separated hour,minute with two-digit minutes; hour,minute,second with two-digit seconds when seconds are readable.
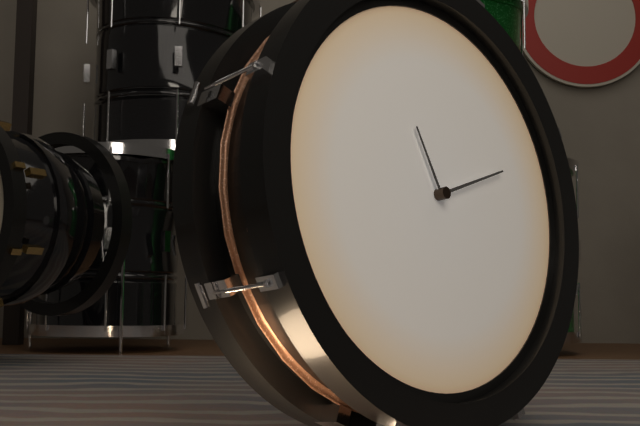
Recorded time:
11,12
